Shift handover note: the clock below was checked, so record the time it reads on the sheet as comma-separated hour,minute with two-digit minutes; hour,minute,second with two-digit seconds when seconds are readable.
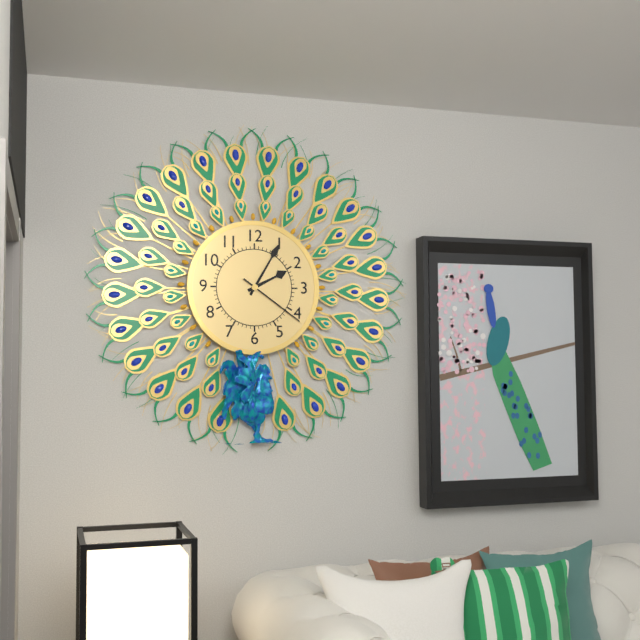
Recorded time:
2,05,21
